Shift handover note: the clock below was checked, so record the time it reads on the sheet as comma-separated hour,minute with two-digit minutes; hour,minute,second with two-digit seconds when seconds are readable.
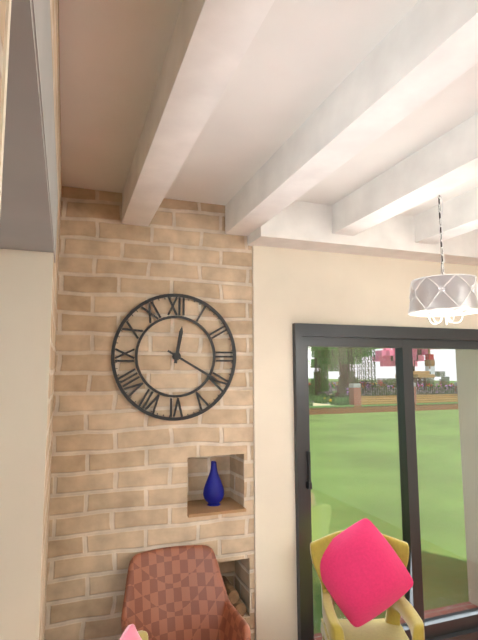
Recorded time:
12,20
